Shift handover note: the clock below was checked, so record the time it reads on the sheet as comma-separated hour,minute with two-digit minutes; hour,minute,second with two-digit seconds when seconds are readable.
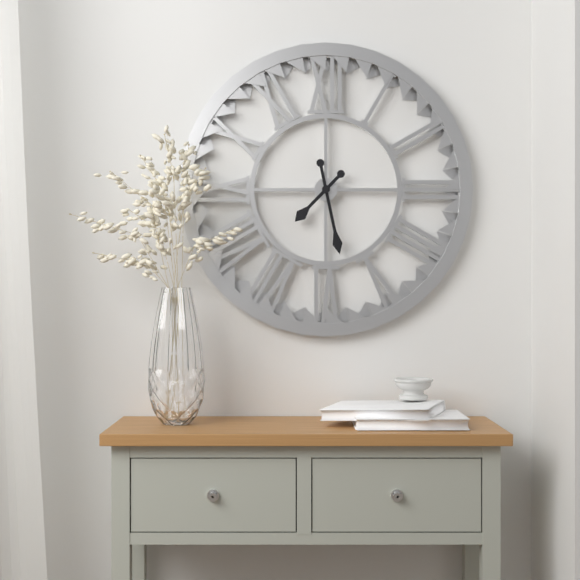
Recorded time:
7,28
